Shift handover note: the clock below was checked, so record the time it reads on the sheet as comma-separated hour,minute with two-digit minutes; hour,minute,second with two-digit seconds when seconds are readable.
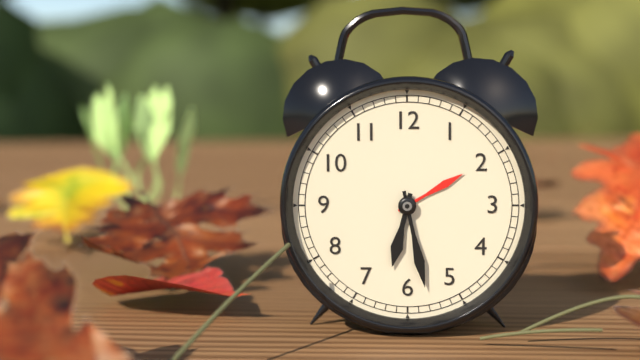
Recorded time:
6,28
